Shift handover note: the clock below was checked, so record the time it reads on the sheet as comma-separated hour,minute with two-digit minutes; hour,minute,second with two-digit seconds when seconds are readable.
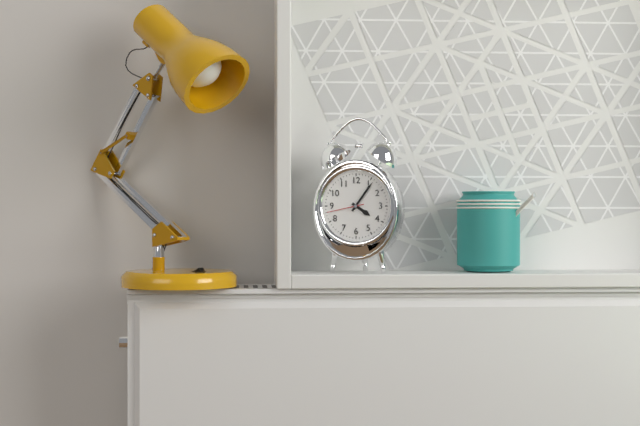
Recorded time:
4,06
